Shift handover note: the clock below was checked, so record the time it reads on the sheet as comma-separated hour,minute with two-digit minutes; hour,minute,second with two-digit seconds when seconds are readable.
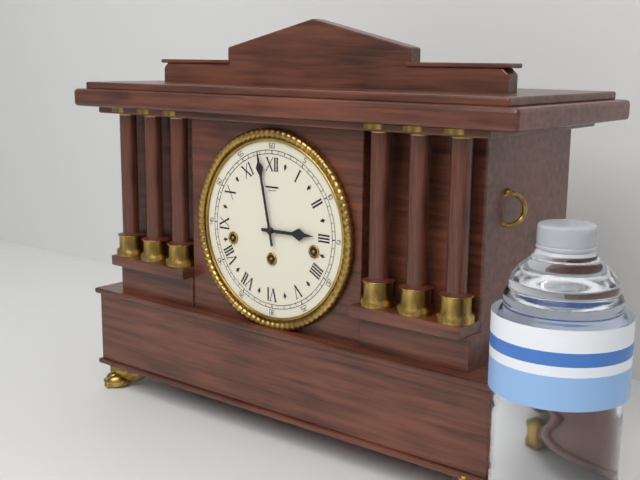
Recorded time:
2,58
